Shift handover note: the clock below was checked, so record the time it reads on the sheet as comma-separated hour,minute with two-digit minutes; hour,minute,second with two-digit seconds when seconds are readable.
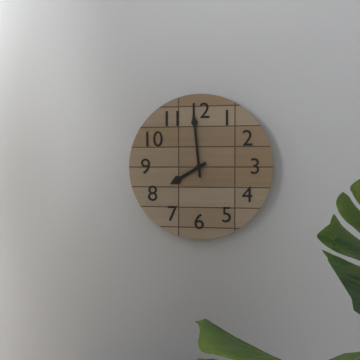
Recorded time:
7,59
